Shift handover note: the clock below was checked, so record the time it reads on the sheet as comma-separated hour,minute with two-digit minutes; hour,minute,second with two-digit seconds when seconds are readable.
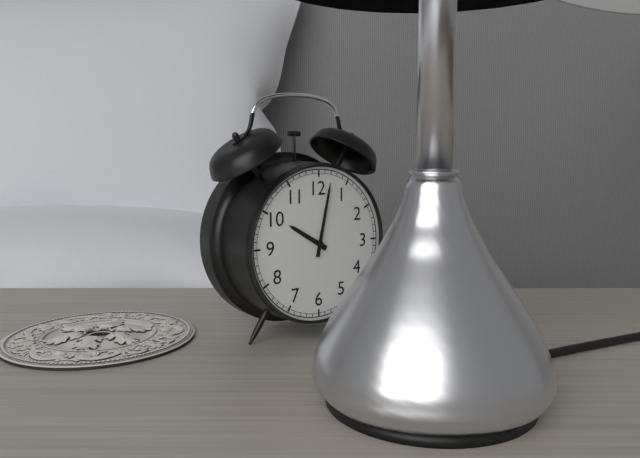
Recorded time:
10,02
